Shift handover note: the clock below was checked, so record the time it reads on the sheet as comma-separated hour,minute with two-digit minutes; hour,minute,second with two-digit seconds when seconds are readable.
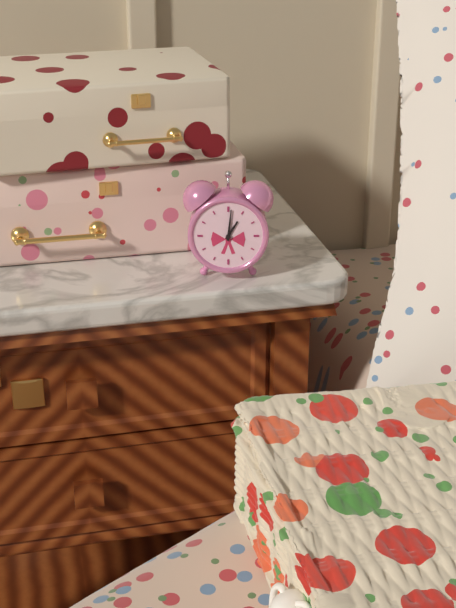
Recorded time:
1,01
